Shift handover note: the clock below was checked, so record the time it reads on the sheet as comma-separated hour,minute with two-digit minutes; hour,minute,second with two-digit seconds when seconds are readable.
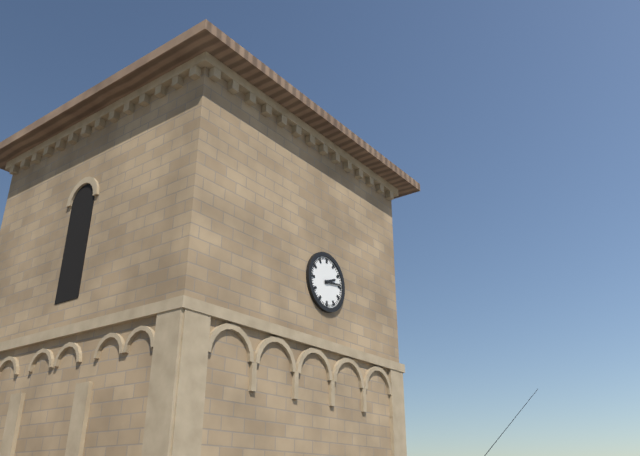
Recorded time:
2,14
